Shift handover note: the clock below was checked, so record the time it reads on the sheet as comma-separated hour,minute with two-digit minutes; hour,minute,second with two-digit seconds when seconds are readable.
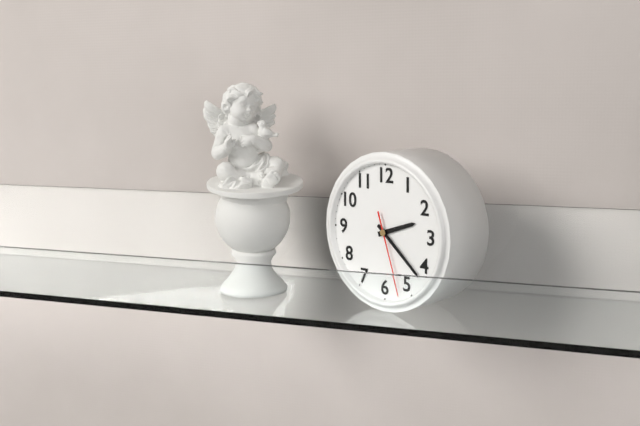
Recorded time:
2,22,27
